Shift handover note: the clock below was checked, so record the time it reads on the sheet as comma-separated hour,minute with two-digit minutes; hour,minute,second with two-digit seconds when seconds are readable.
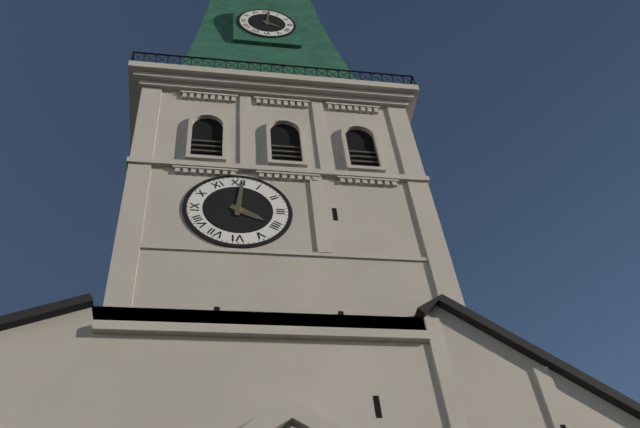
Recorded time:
4,01
